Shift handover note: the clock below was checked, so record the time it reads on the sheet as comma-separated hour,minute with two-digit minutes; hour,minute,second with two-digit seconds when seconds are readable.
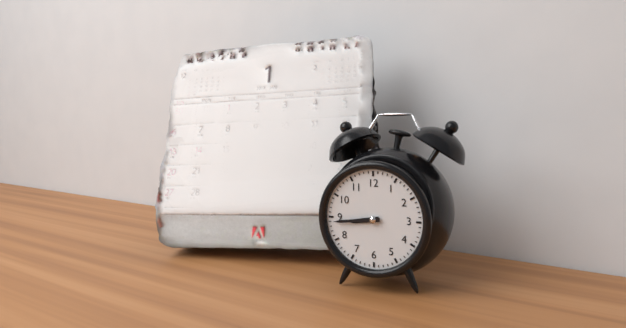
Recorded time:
8,44
